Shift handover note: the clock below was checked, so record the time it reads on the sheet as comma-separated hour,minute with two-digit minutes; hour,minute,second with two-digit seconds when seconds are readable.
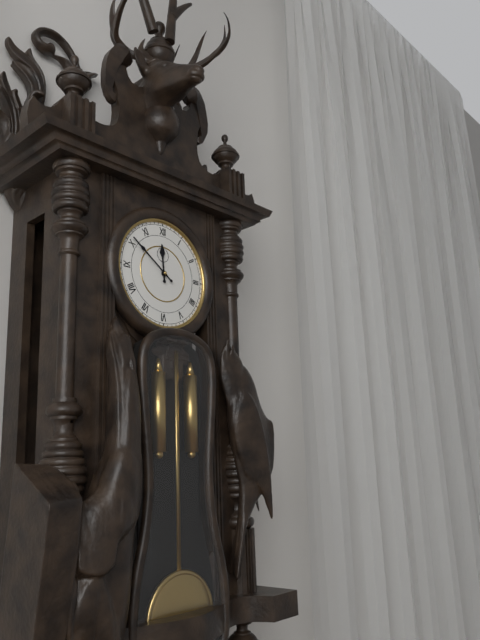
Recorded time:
11,51
